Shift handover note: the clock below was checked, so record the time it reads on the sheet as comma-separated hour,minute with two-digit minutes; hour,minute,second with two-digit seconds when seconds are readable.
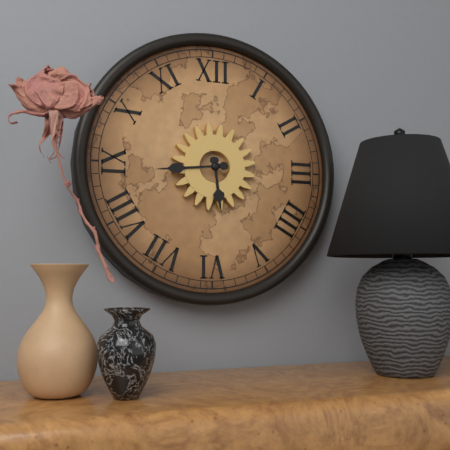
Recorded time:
5,44
